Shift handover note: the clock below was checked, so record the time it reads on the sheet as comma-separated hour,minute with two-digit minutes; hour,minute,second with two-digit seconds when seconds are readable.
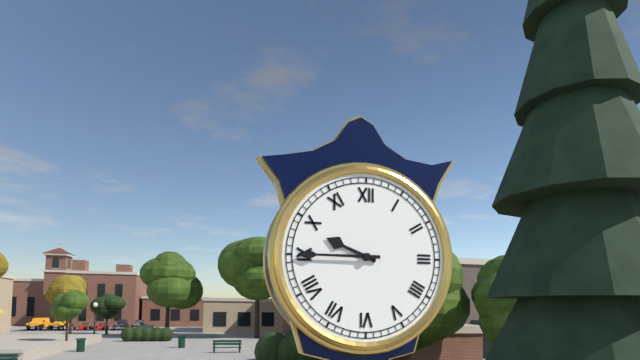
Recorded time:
9,45
